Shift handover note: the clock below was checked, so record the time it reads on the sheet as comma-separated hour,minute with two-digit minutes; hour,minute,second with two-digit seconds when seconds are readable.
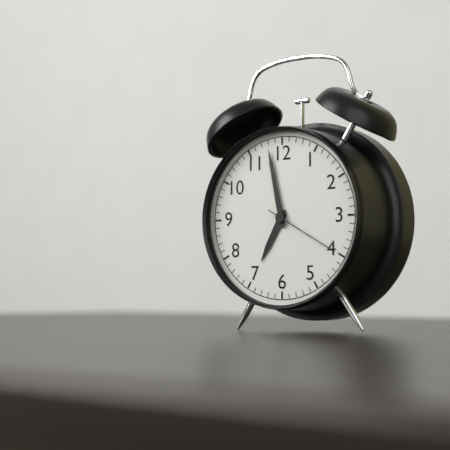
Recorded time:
6,58,20
